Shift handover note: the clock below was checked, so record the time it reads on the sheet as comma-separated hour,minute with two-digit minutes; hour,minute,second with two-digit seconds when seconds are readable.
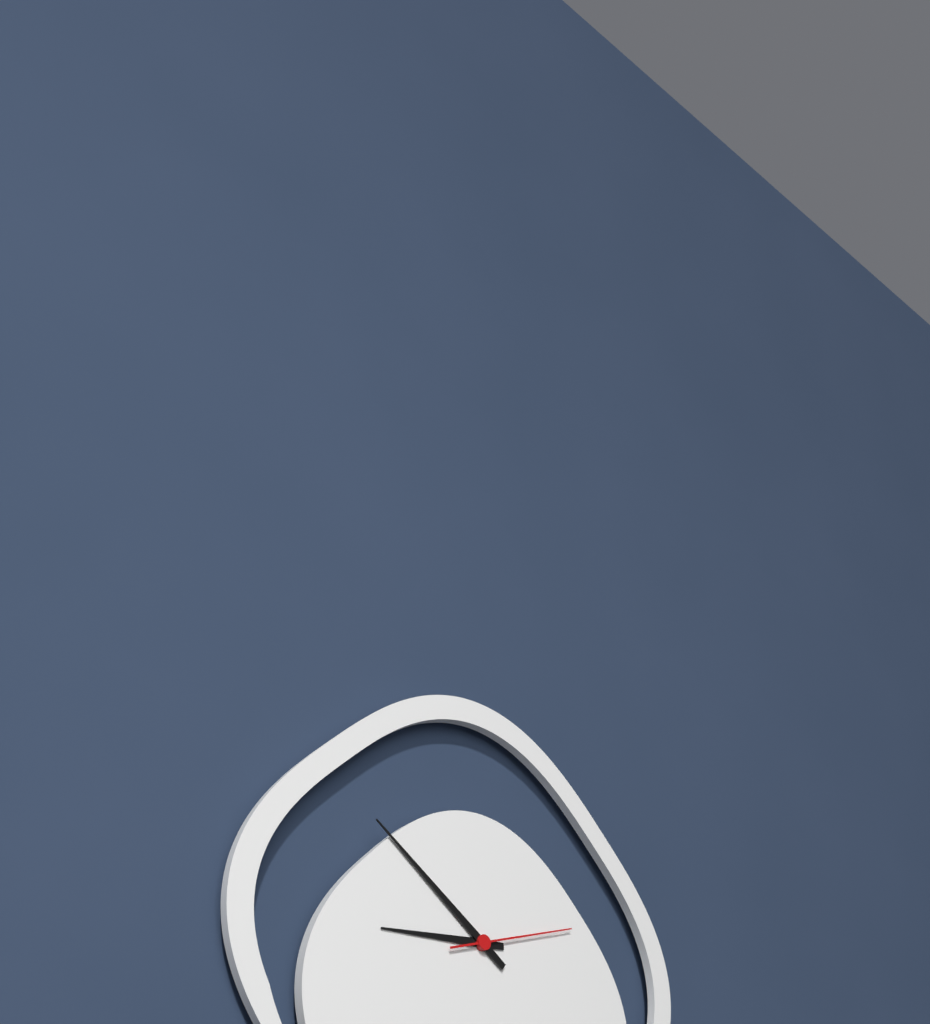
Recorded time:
8,51,12
